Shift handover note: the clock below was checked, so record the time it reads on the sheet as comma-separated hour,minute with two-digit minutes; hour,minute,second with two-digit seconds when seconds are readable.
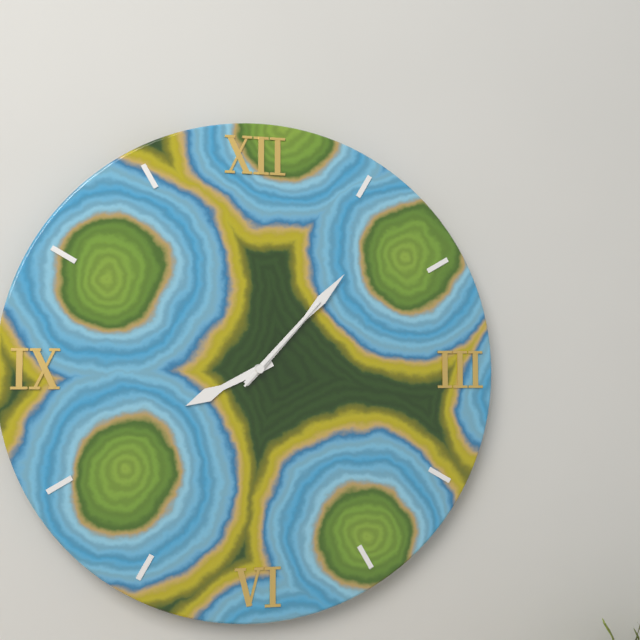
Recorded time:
8,07,07
